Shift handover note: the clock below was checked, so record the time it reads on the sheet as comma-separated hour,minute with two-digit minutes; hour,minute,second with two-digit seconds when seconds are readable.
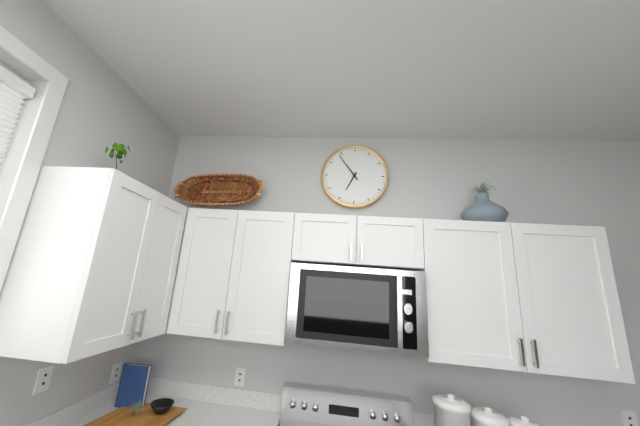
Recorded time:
6,54
